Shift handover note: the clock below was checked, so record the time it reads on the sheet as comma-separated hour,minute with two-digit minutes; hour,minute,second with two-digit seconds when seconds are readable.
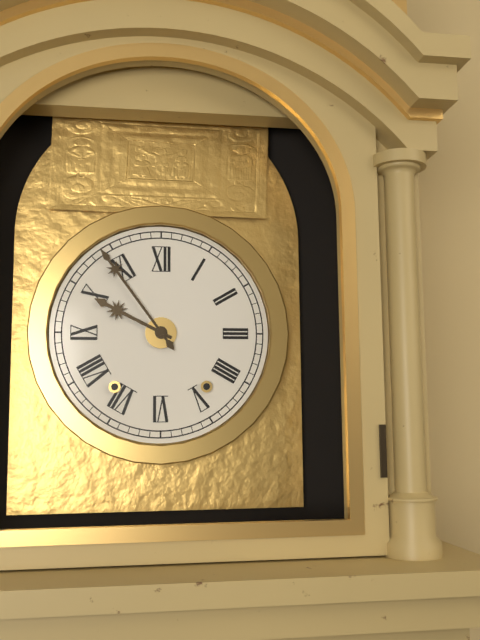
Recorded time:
9,54
